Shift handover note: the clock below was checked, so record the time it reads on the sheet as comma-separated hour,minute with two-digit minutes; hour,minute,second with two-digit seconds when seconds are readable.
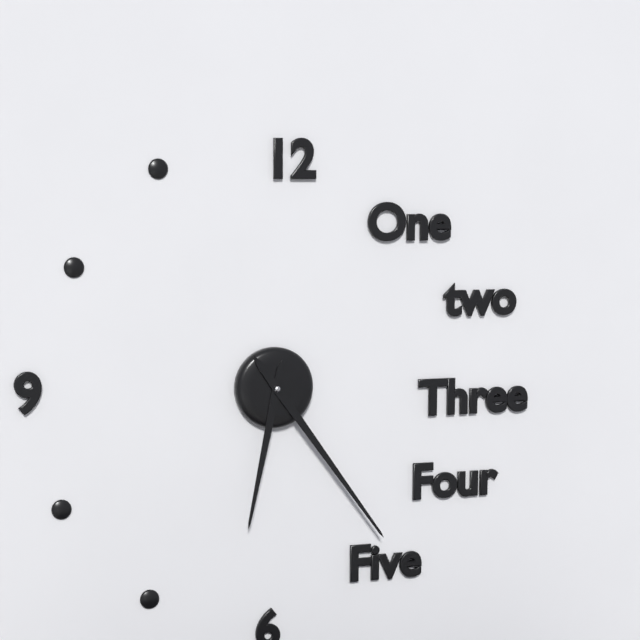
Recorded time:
6,24
